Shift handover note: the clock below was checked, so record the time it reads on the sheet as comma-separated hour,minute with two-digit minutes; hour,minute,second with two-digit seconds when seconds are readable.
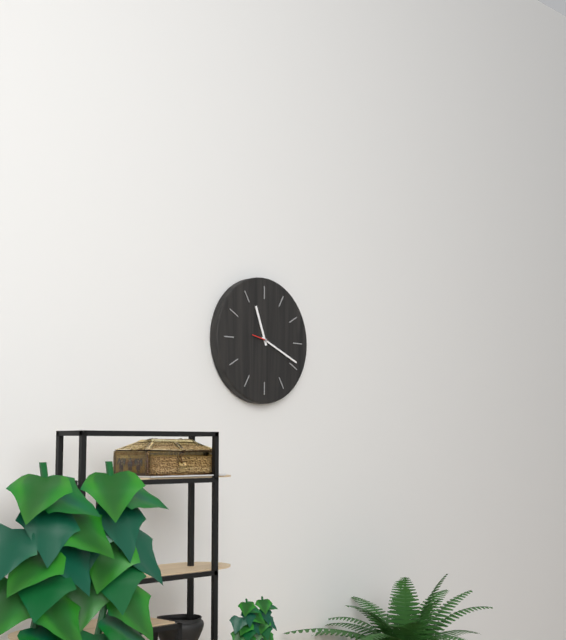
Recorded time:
11,19
